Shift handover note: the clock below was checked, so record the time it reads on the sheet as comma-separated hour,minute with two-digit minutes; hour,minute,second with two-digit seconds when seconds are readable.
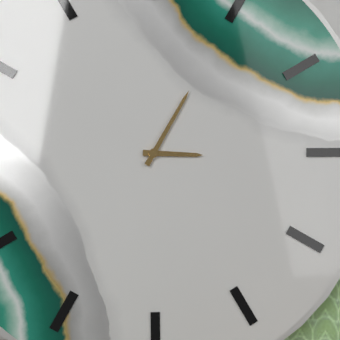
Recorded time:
3,05
